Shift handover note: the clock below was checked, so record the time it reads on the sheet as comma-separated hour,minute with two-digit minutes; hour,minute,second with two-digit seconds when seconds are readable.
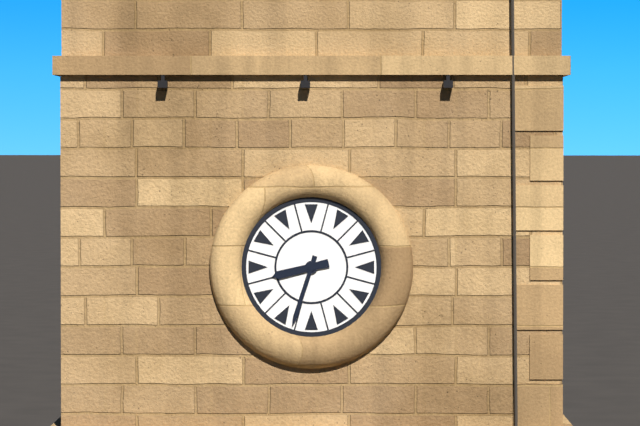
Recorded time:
8,33
